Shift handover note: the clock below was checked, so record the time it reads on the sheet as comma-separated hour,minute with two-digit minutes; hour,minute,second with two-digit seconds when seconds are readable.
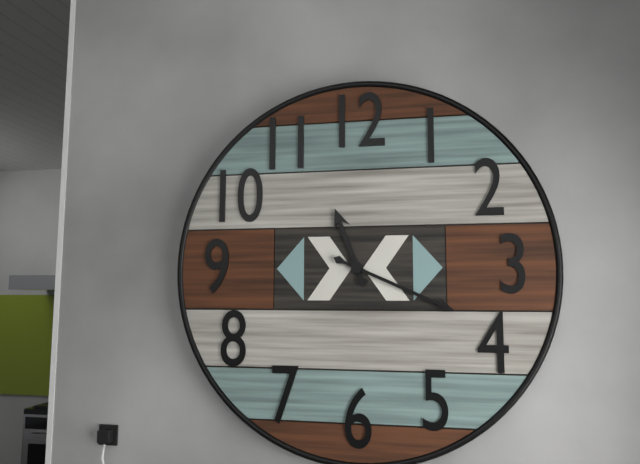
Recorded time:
11,19
